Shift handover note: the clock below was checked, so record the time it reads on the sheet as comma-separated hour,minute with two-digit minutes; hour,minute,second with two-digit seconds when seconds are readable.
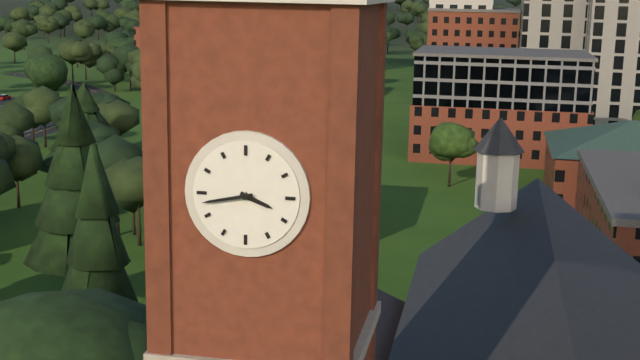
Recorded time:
3,43
